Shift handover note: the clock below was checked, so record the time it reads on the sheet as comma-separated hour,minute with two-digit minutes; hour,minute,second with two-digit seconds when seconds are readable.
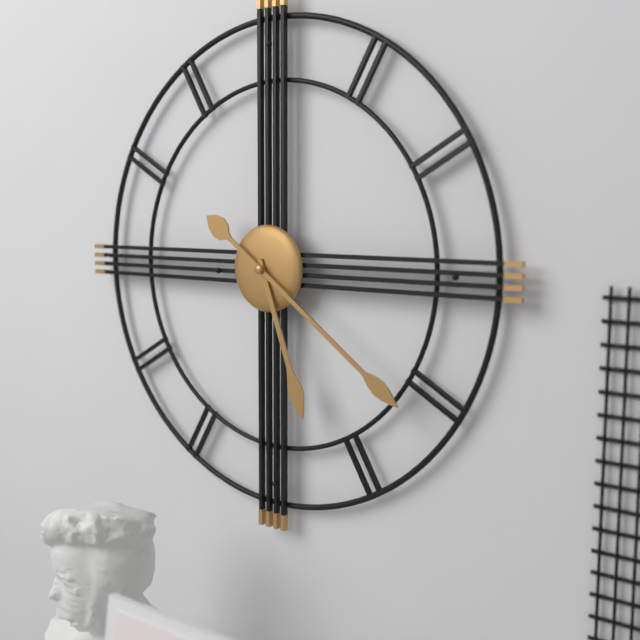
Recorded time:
5,21
